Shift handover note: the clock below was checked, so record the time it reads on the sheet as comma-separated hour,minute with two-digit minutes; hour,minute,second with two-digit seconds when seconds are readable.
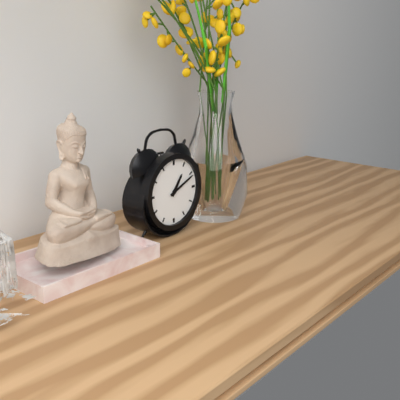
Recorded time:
1,11
